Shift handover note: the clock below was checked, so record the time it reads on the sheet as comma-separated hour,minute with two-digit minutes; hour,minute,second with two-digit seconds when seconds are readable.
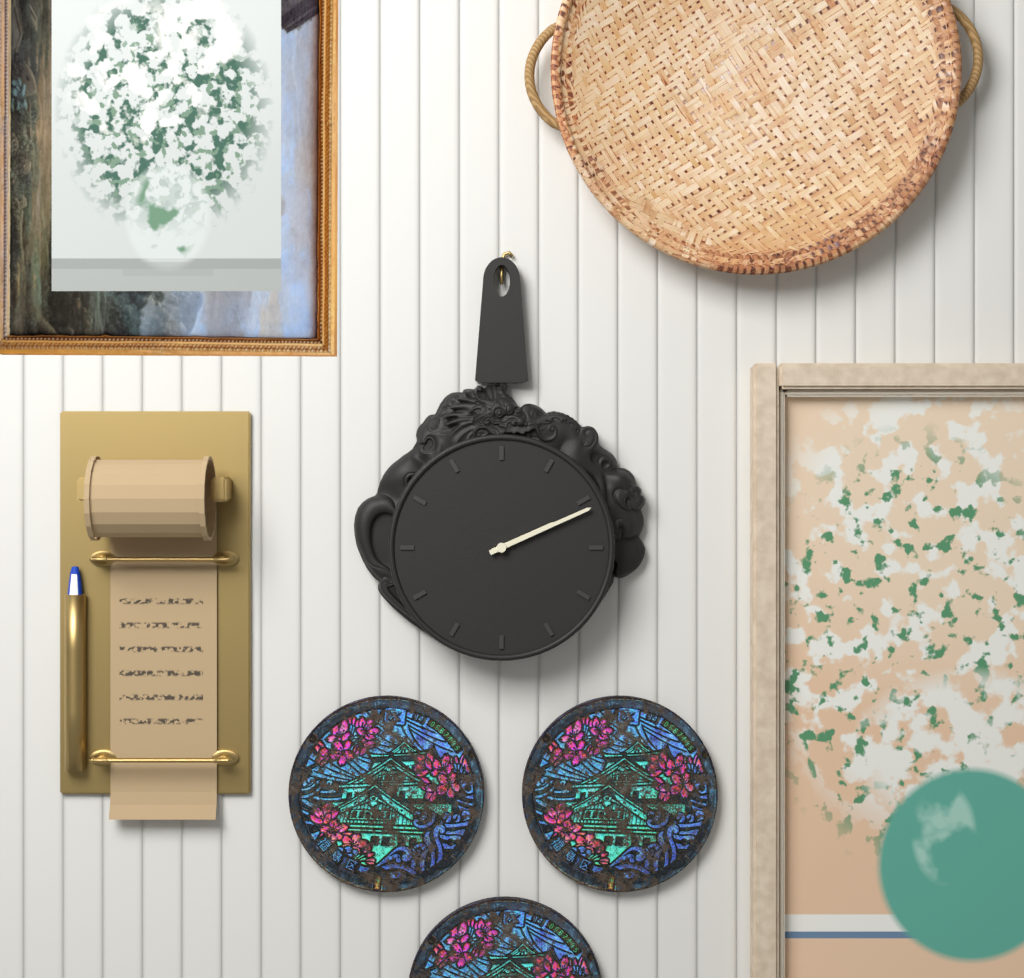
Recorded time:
2,11
